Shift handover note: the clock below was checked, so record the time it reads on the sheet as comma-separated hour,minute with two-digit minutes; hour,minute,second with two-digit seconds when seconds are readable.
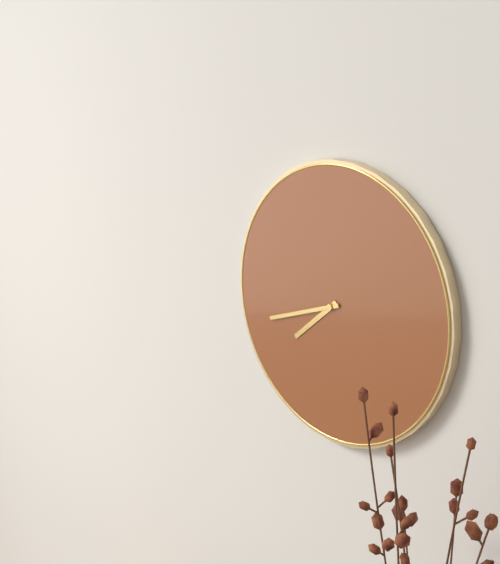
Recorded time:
7,42
